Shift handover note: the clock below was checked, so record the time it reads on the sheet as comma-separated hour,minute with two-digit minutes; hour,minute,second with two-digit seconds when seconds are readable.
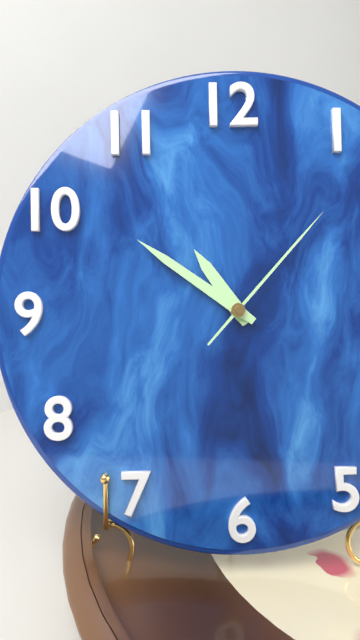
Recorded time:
10,51,07
